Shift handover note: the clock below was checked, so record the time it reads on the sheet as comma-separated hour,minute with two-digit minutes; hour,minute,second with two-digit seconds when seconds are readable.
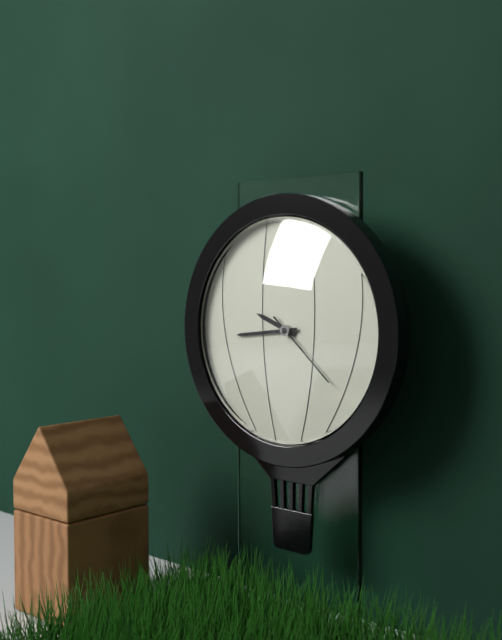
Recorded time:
9,44,22
